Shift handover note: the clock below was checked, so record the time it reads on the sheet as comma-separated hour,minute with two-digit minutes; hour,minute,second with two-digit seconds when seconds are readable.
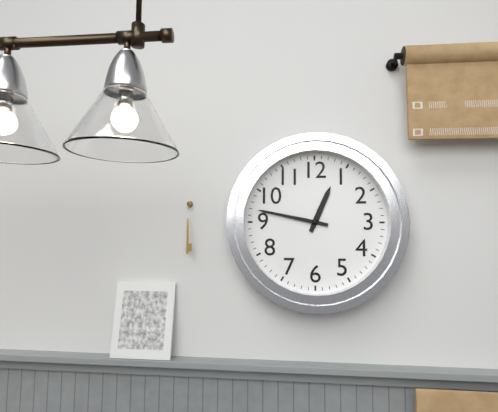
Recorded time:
12,47
